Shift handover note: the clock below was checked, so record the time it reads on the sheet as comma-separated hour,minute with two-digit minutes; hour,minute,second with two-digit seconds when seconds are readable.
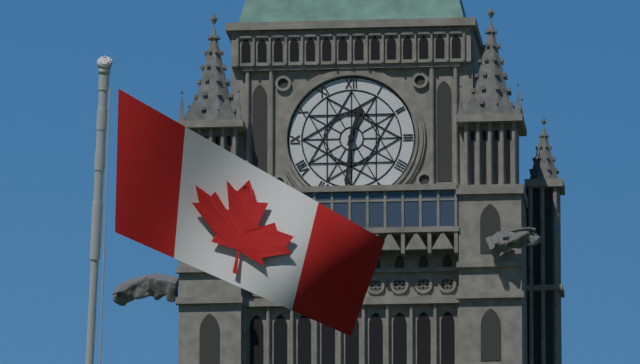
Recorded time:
12,31
